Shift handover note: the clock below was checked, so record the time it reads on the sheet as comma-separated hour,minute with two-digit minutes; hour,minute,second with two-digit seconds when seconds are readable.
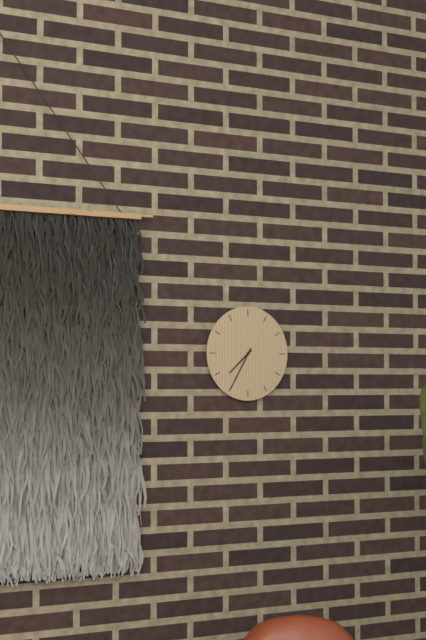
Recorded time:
7,35
